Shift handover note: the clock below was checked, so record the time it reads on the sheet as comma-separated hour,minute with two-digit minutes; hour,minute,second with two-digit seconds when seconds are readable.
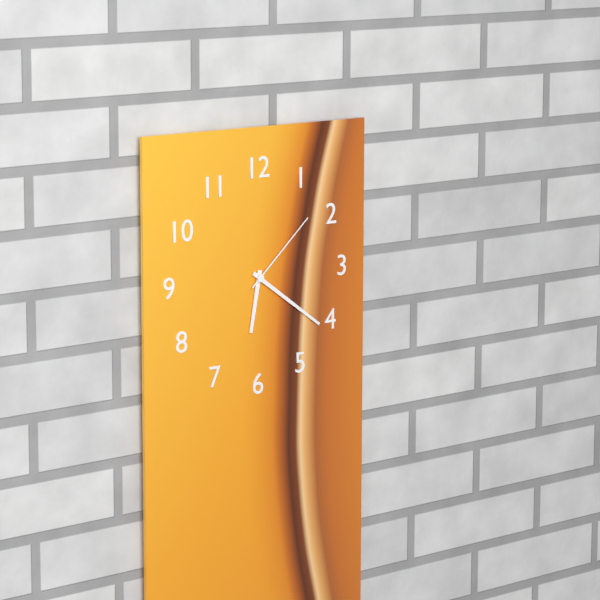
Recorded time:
6,21,08
